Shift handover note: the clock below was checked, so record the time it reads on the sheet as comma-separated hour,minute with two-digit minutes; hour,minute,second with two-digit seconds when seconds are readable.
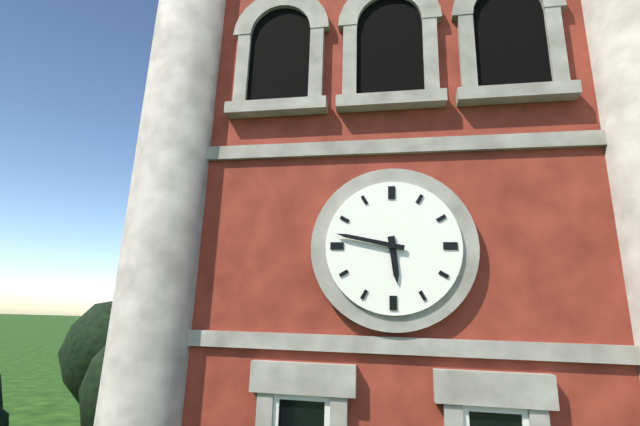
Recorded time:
5,47
